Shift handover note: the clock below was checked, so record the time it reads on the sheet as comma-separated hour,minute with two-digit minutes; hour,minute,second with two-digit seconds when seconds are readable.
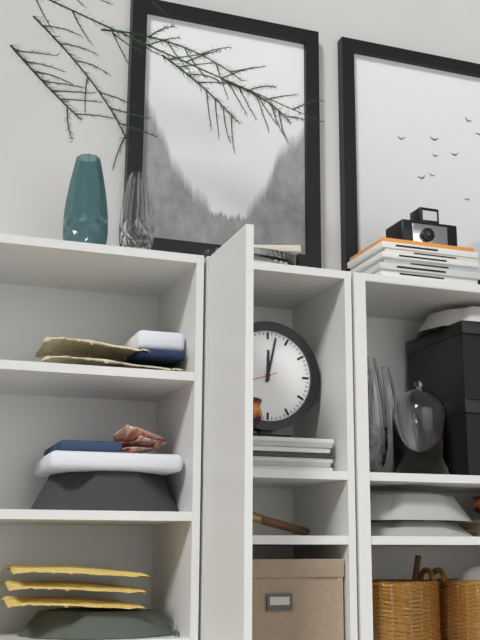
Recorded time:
12,02
